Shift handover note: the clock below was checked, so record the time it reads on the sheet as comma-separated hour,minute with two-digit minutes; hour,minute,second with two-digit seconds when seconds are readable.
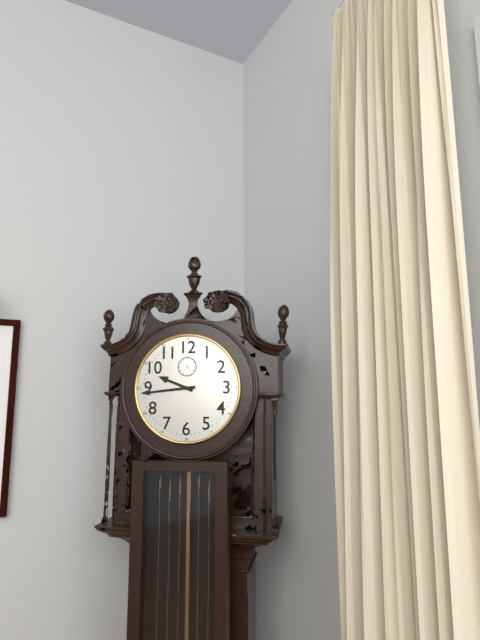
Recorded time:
9,44
